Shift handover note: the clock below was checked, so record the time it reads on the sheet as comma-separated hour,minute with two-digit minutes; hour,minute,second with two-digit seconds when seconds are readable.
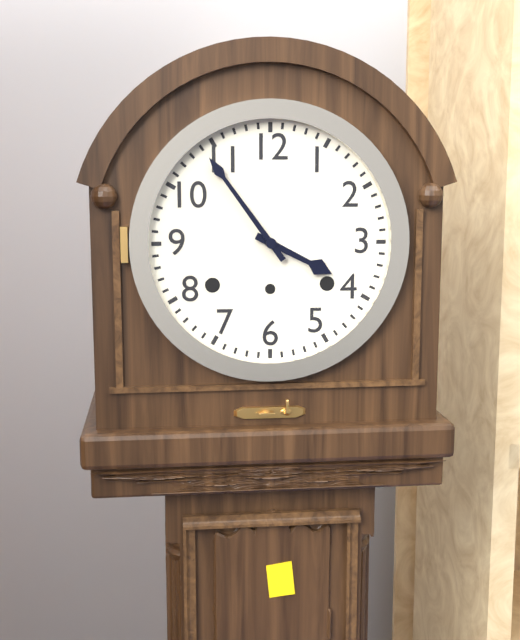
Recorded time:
3,54
